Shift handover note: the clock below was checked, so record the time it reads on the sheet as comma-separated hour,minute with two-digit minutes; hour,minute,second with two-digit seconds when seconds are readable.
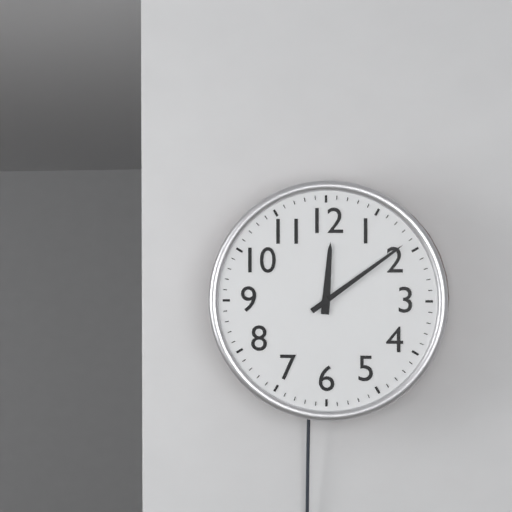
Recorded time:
12,09
